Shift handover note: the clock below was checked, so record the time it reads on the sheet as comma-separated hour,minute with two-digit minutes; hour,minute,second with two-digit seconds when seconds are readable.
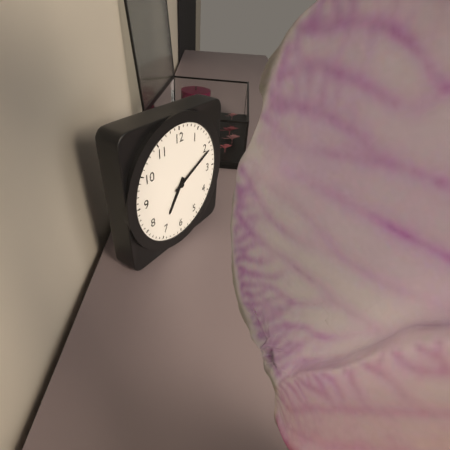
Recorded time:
7,11
